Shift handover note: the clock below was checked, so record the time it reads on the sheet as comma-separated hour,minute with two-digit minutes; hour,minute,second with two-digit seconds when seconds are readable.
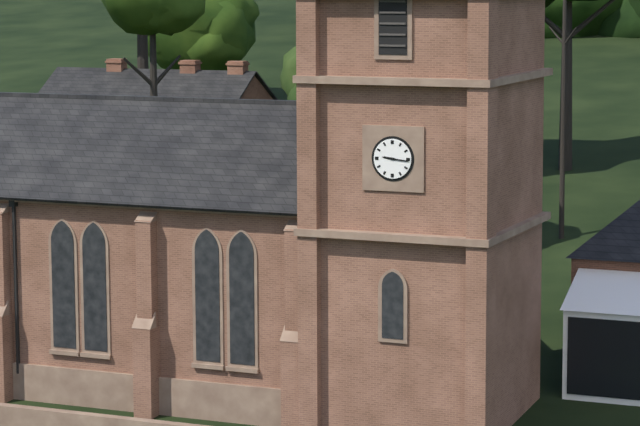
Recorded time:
9,16
